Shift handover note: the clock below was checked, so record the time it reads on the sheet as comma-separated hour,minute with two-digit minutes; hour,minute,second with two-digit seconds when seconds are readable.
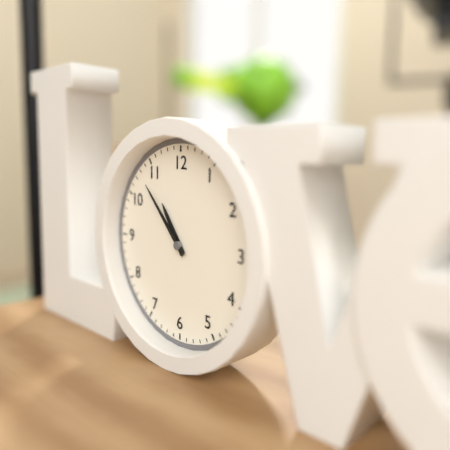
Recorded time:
10,53
